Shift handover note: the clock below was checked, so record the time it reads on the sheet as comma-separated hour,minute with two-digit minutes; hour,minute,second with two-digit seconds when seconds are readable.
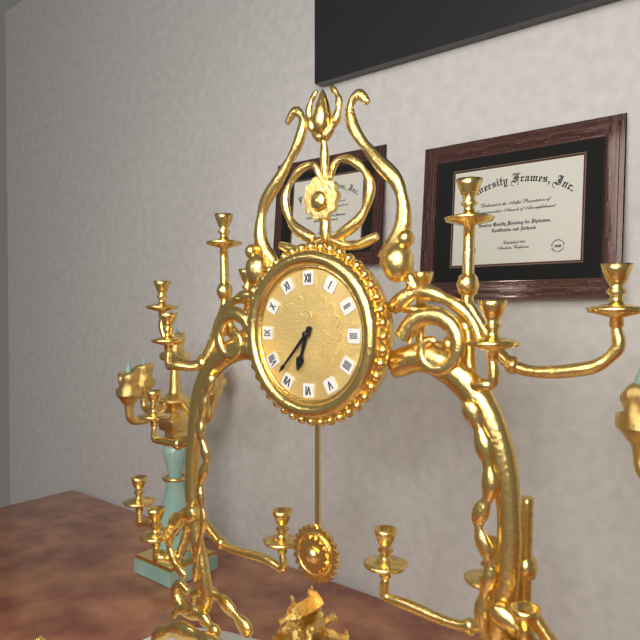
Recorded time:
6,37
